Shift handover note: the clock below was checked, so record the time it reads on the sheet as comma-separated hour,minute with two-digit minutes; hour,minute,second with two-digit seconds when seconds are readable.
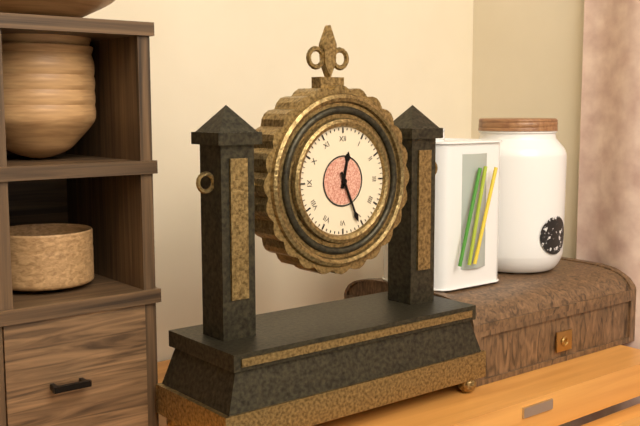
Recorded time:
12,26
